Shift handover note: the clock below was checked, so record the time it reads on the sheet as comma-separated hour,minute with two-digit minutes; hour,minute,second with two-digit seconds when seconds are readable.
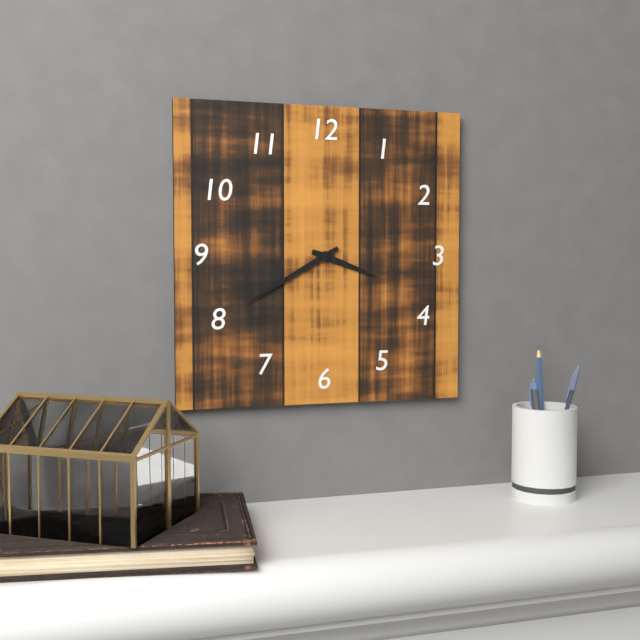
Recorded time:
3,40
